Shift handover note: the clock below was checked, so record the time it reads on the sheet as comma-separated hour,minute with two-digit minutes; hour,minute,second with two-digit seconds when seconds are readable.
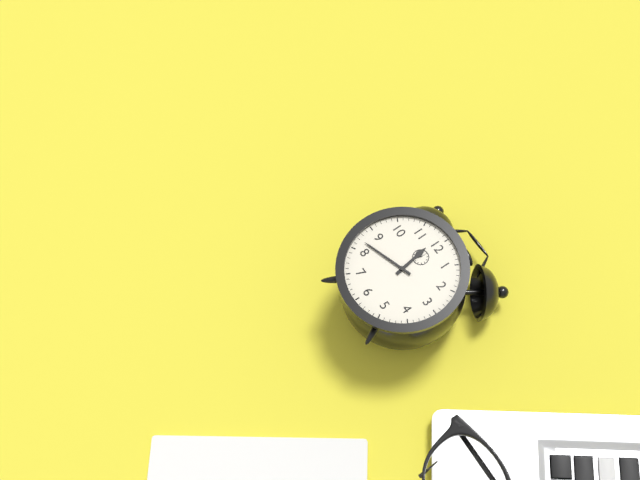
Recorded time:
11,42
